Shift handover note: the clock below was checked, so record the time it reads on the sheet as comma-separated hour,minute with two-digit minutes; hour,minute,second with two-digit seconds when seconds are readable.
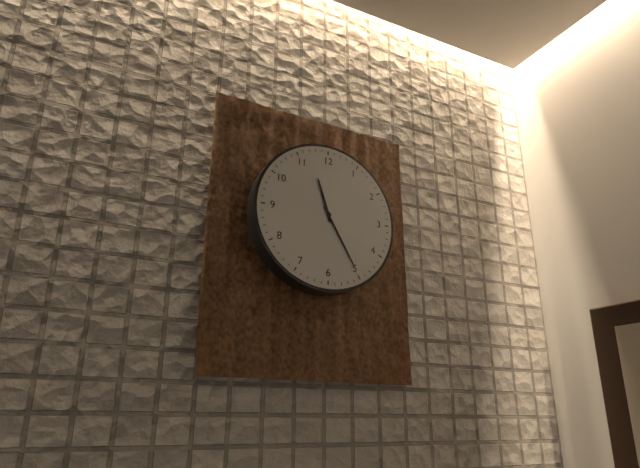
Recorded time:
11,25
